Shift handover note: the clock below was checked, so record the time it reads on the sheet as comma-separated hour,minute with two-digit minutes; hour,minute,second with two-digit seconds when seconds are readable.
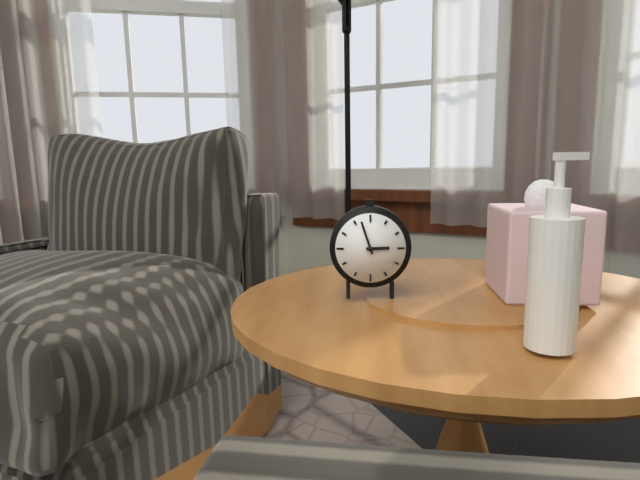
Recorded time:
2,57
